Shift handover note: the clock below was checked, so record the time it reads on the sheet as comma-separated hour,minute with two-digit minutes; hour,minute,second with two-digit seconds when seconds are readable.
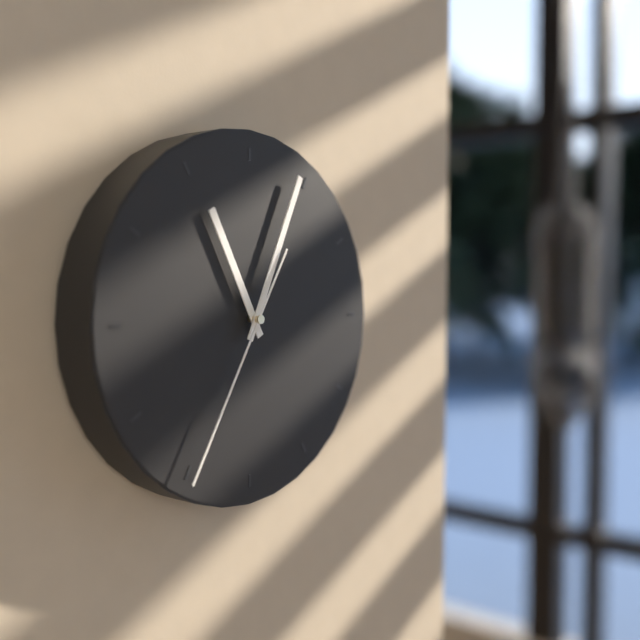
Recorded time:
11,04,35
